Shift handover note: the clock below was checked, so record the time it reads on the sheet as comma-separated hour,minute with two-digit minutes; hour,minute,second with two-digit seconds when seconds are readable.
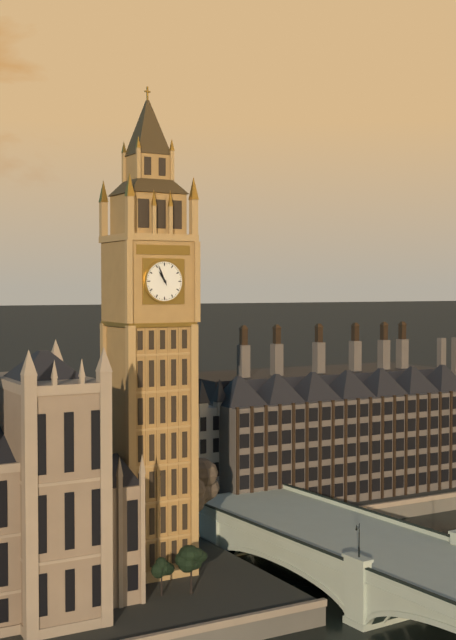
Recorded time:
10,56
